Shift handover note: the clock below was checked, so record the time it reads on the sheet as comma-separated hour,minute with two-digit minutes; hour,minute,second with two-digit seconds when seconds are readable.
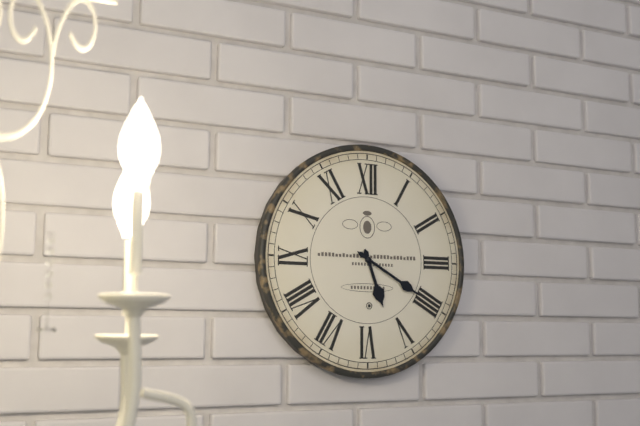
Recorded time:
5,20
